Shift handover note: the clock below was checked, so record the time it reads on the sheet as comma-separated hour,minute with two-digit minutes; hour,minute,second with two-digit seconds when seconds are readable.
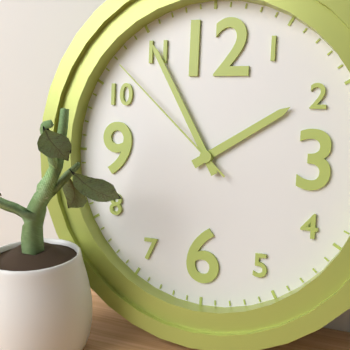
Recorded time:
1,55,52
